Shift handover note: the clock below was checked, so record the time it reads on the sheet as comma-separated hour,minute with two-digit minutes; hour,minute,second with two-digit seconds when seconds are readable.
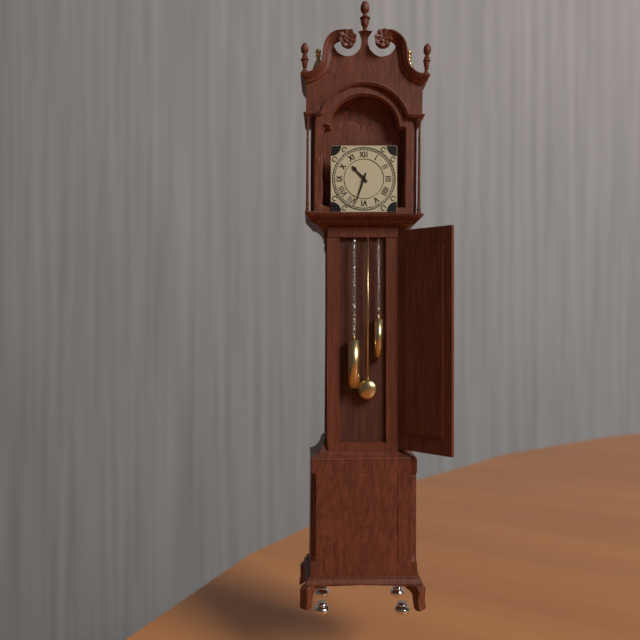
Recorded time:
10,33
